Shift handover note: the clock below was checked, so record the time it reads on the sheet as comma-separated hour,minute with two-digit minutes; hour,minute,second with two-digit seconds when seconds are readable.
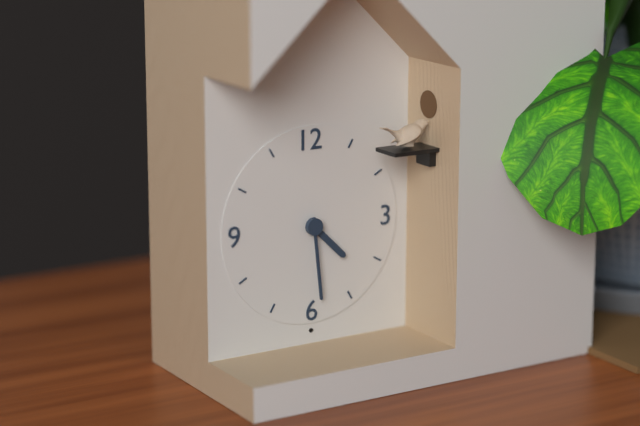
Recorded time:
4,29
